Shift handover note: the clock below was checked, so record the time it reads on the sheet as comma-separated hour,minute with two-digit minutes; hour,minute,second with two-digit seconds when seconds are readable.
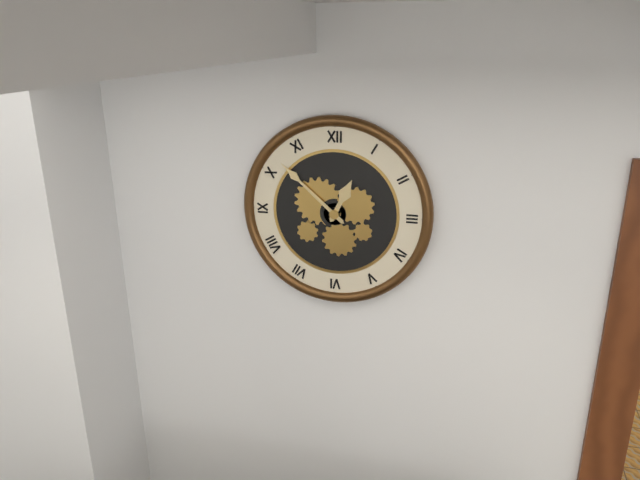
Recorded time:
12,52
